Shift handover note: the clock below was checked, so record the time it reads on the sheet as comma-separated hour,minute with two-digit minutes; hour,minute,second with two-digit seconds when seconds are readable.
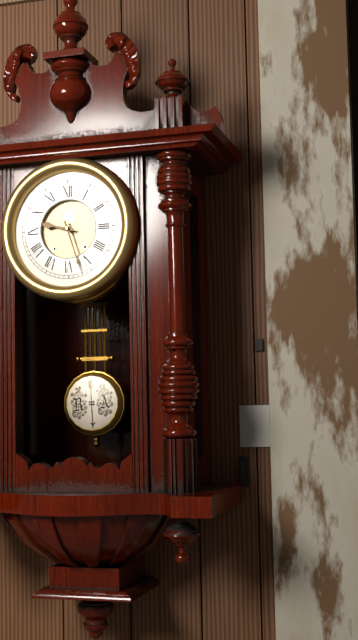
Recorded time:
9,27
